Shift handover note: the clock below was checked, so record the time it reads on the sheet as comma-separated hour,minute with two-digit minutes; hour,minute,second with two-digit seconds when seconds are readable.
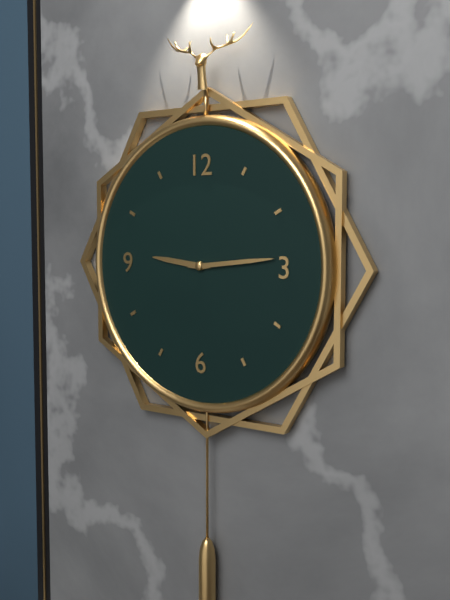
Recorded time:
9,14
